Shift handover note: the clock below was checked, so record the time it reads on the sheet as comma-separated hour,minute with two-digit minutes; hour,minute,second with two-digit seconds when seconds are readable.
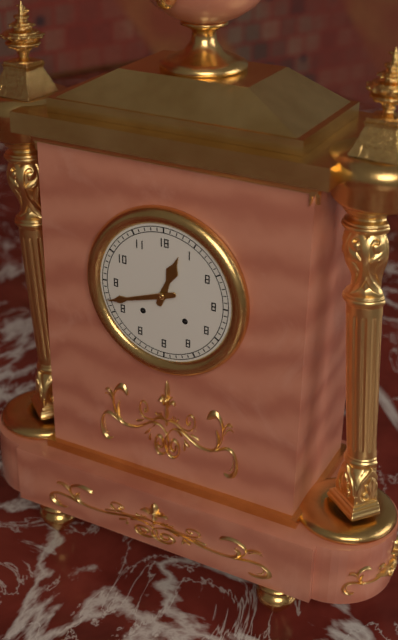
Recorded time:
12,42
